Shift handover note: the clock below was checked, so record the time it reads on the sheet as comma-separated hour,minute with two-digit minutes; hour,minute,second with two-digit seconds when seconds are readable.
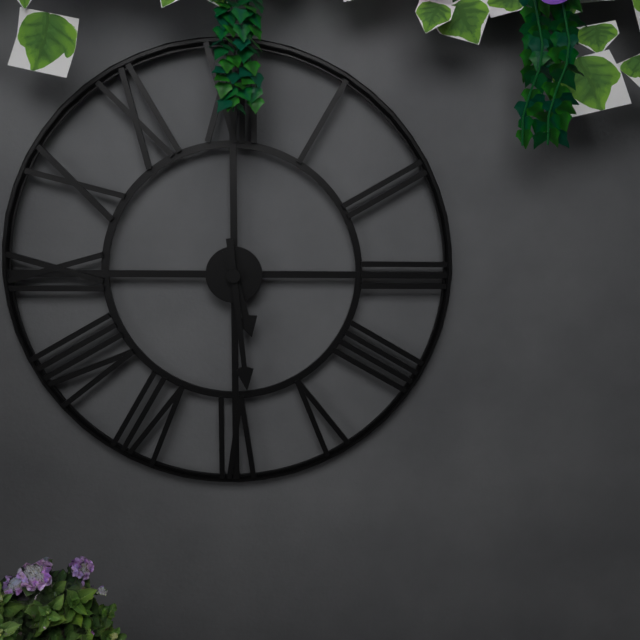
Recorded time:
5,29
